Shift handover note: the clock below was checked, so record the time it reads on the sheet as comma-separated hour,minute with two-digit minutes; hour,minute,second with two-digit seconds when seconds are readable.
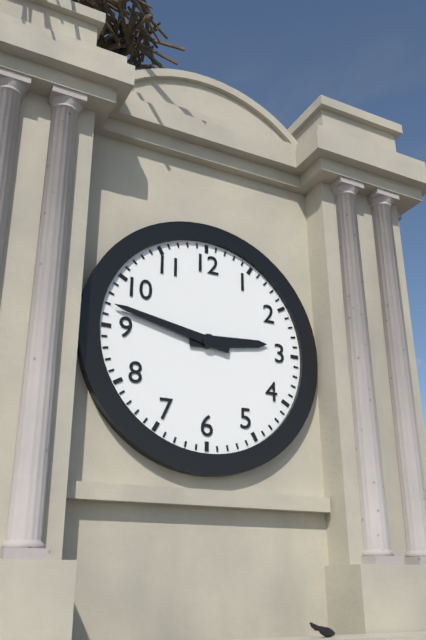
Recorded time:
2,47
